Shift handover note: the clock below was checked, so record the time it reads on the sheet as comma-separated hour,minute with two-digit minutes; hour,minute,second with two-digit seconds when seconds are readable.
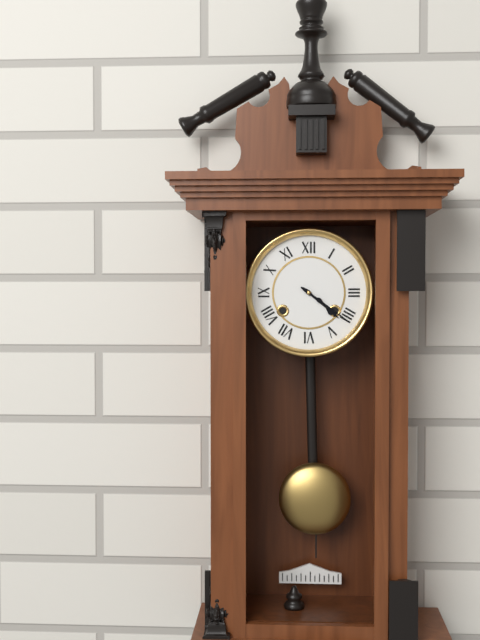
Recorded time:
4,21
